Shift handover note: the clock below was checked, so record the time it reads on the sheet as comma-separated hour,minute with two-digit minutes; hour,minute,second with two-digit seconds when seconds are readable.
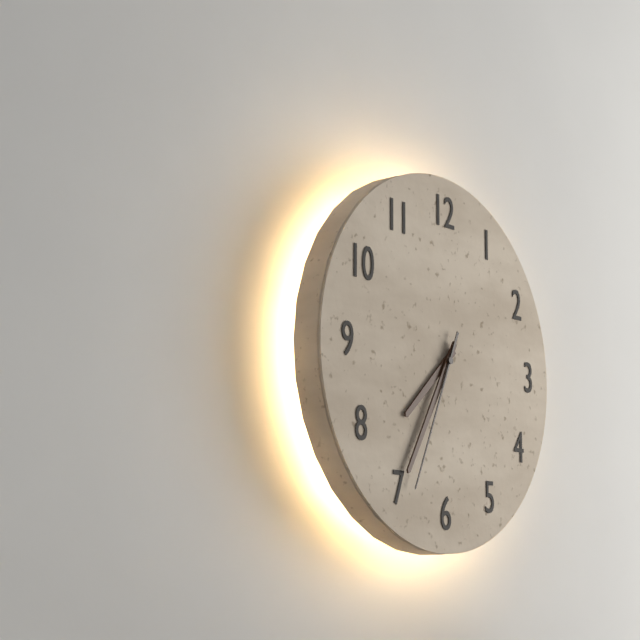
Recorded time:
7,35,34
